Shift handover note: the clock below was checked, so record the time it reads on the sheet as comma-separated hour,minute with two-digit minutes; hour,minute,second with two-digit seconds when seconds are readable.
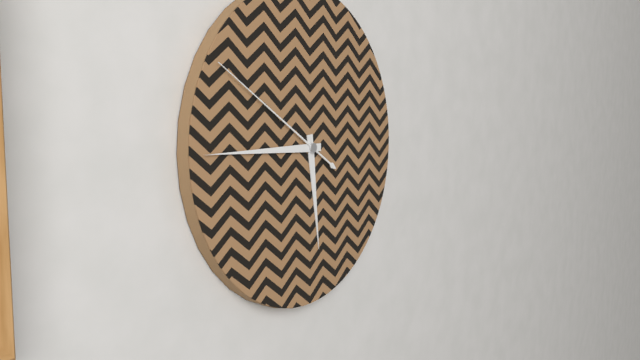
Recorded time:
5,45,50
